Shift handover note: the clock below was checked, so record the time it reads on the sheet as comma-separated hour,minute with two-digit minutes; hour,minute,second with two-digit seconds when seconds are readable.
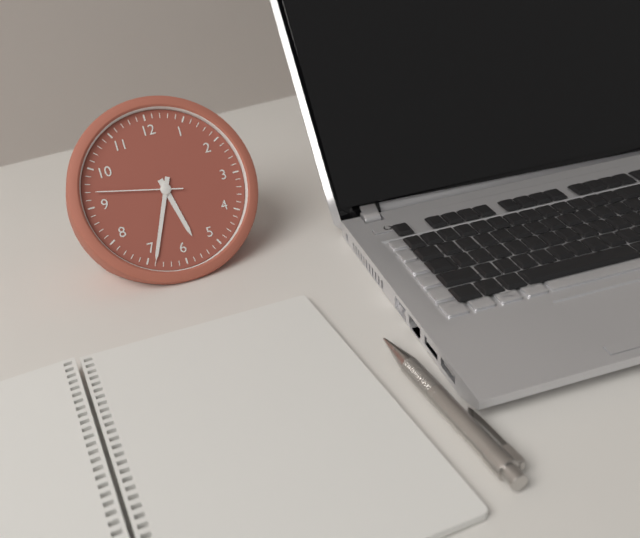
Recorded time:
5,34,47
